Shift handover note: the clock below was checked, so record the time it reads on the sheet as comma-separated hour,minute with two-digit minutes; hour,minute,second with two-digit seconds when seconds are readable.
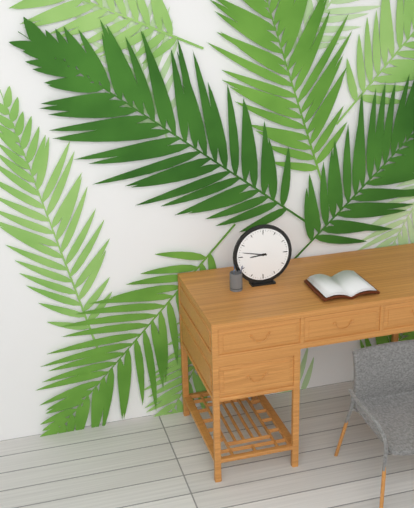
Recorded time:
8,47
